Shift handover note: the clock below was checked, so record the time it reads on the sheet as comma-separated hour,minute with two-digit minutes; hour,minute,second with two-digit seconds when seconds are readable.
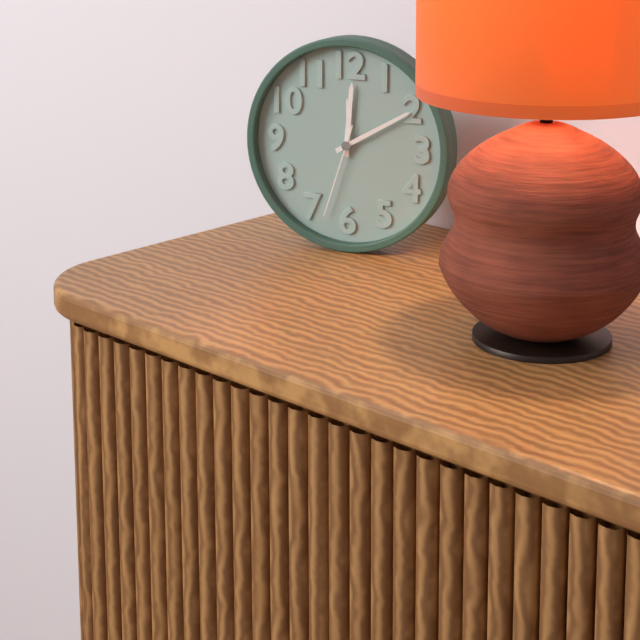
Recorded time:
12,10,33
